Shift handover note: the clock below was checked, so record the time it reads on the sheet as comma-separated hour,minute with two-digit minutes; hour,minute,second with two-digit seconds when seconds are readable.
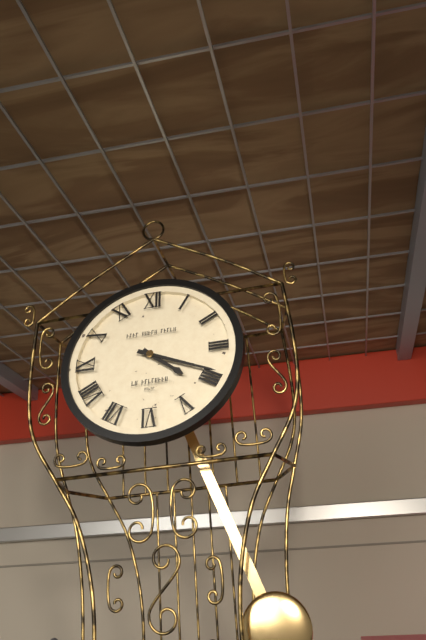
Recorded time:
4,19
